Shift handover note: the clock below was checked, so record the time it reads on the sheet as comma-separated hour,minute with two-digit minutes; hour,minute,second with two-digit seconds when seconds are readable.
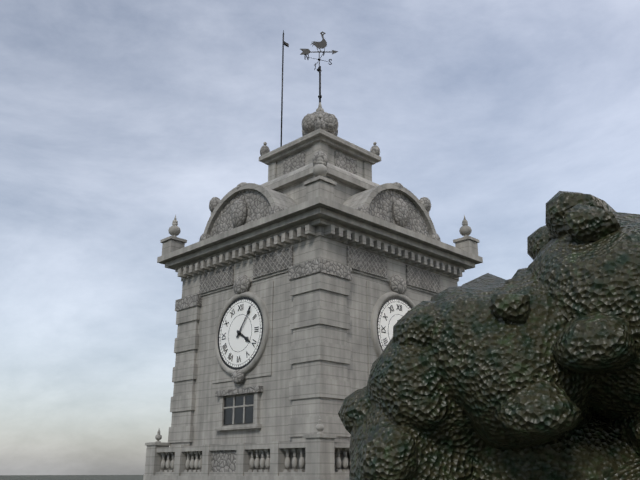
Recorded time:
4,06
